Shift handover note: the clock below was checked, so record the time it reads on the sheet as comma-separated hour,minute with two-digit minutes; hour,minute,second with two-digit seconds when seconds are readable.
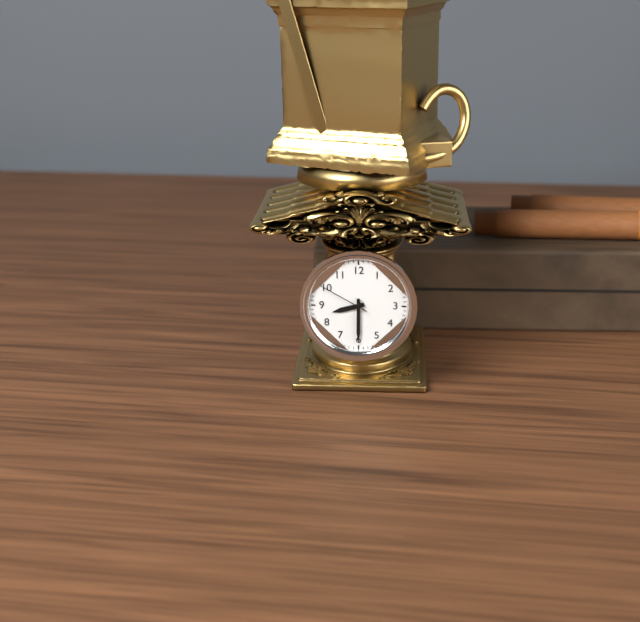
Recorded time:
8,30,50
